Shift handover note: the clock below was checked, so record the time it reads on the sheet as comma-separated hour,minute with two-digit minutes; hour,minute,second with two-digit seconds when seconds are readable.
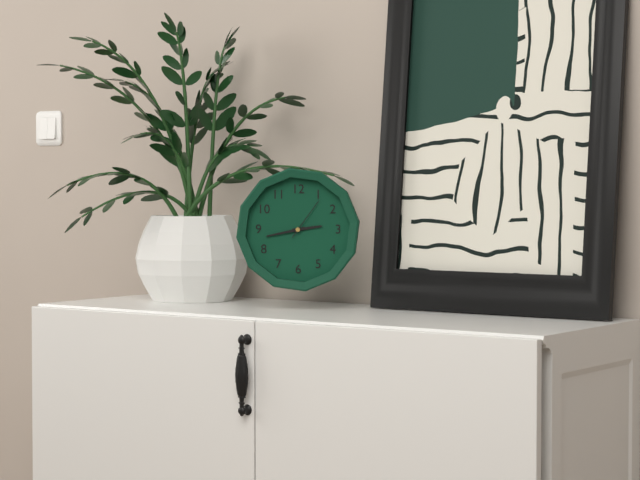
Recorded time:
2,43
